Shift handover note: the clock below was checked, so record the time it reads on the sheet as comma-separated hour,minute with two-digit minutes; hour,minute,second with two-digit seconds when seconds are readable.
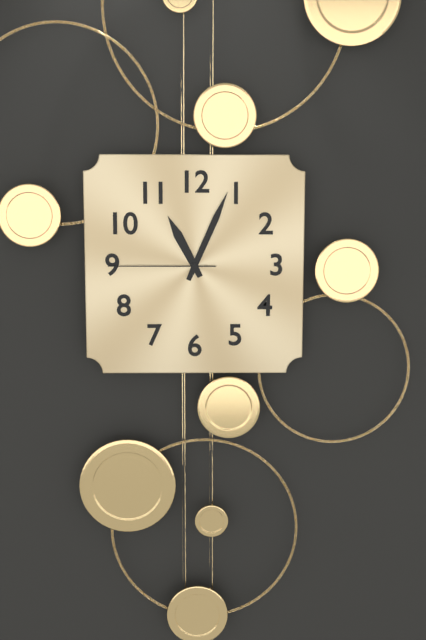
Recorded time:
11,04,45
